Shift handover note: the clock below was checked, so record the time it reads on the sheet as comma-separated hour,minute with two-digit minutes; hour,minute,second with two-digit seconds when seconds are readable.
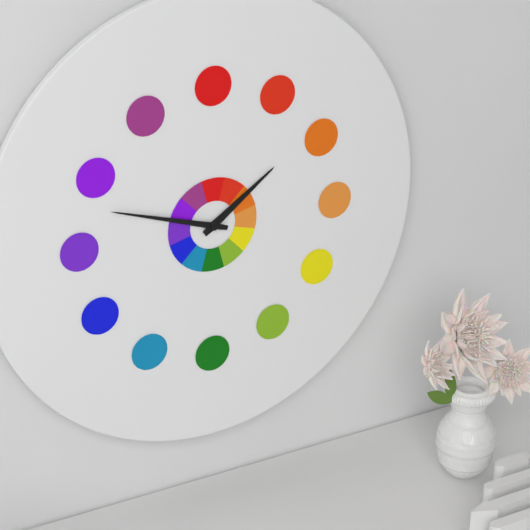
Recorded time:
1,48
